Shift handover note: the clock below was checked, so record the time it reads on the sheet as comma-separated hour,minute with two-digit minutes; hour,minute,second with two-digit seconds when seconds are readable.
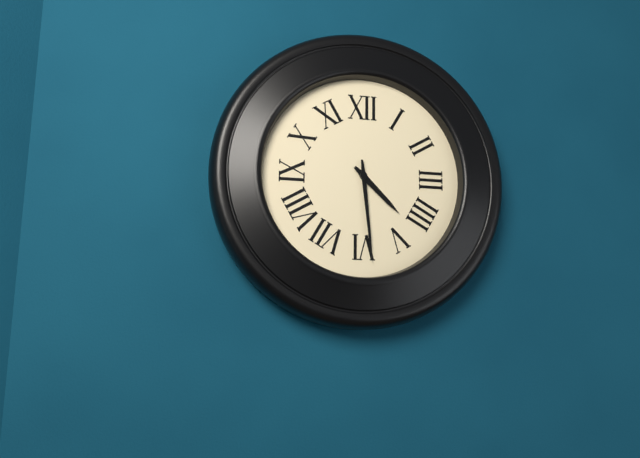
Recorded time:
4,29
